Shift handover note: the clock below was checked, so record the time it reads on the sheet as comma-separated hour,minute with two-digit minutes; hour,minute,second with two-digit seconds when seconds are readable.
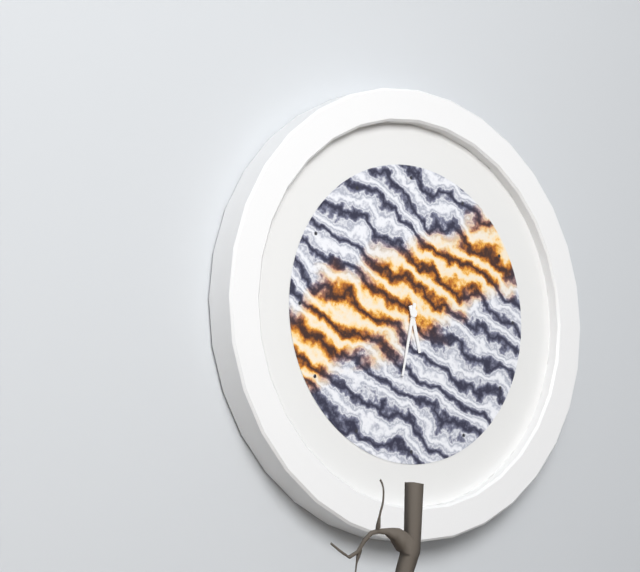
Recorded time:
5,32
